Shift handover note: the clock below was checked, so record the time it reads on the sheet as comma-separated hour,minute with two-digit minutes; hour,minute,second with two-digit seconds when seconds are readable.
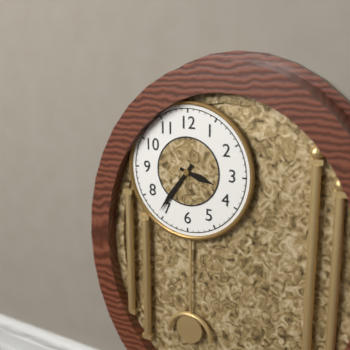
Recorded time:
3,36
